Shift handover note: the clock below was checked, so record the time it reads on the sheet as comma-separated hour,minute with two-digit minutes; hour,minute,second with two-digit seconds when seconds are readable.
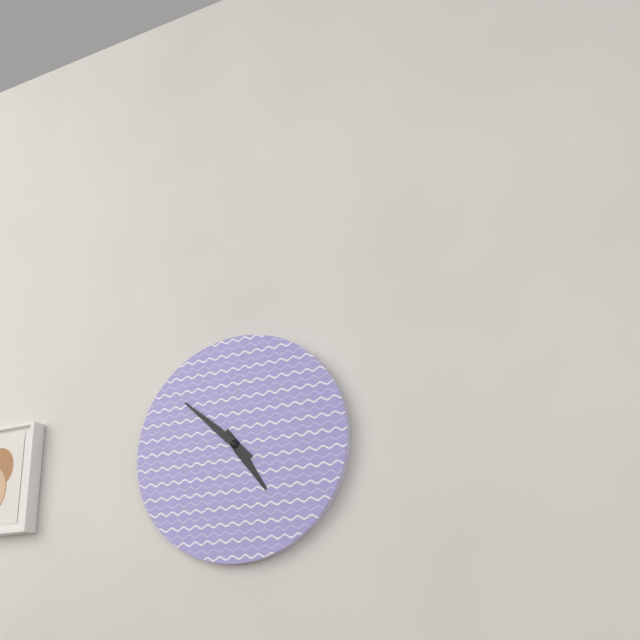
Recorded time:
4,52
